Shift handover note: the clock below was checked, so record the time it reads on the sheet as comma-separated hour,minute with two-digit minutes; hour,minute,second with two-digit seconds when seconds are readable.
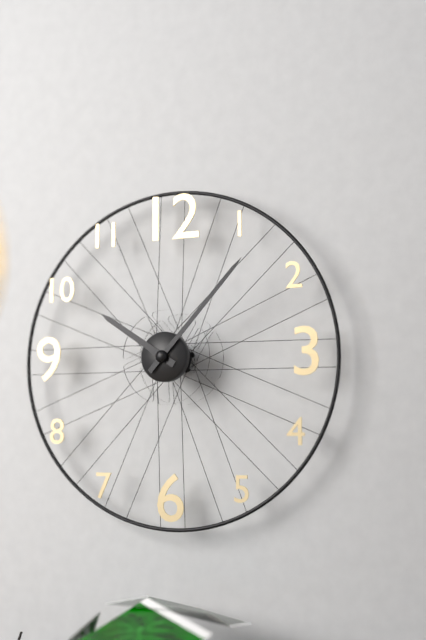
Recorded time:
10,07
